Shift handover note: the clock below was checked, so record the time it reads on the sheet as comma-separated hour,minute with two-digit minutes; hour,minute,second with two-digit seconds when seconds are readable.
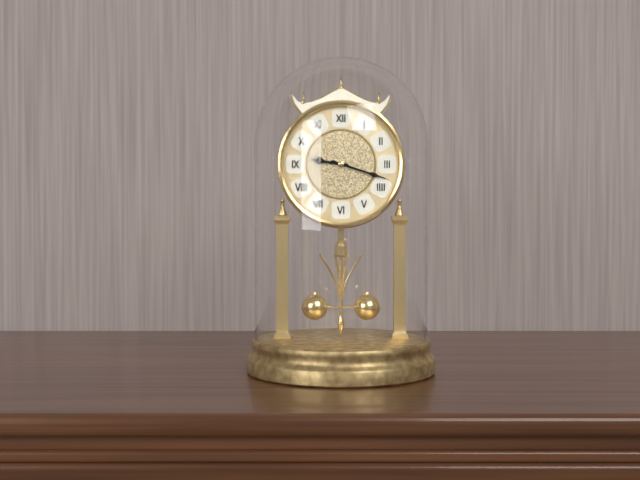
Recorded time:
9,18
